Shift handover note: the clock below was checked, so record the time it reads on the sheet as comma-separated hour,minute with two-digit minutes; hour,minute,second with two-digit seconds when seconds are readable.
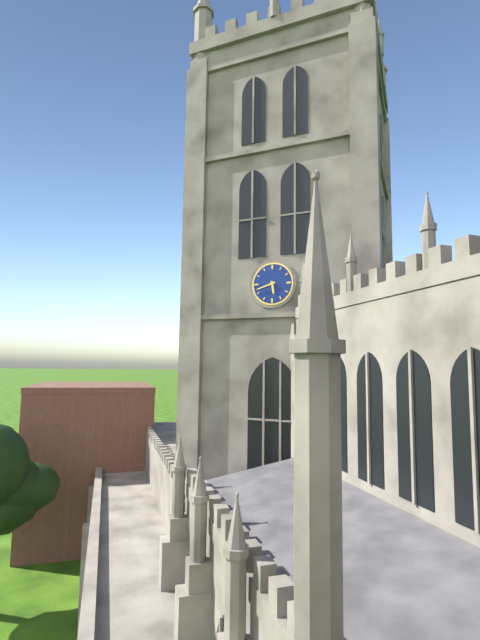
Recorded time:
5,42
